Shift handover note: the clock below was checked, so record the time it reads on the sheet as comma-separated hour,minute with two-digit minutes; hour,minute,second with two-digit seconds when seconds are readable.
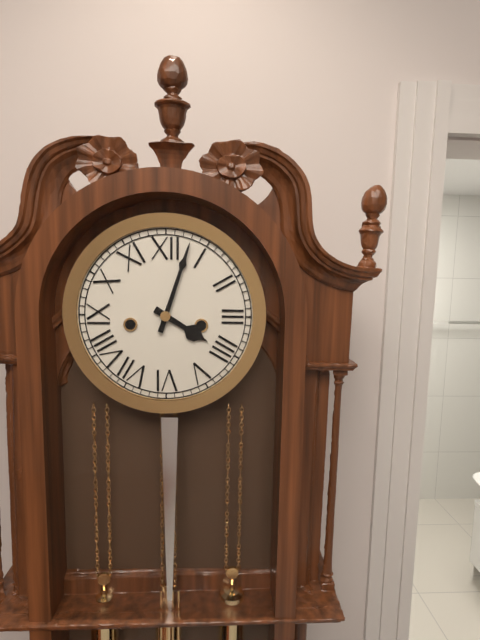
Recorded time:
4,03
